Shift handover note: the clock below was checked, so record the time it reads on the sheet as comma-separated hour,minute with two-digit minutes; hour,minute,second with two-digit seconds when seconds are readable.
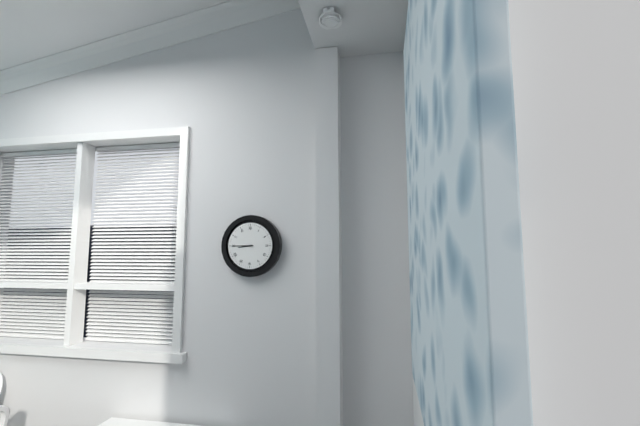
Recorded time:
8,45
